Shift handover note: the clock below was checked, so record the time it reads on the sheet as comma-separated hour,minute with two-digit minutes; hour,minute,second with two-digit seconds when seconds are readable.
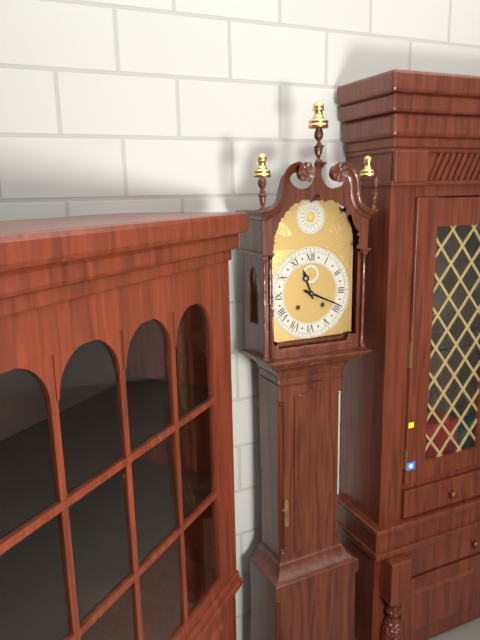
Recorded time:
11,19
